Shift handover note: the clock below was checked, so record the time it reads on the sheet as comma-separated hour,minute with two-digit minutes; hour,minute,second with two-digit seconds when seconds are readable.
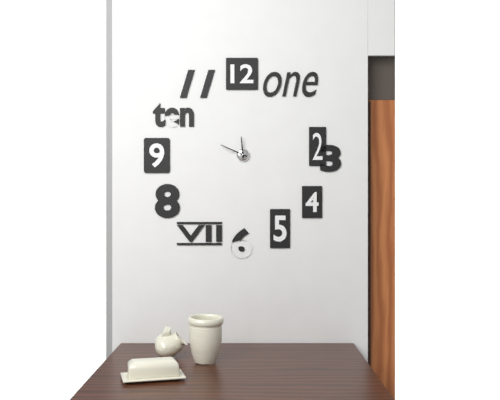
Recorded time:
11,49
